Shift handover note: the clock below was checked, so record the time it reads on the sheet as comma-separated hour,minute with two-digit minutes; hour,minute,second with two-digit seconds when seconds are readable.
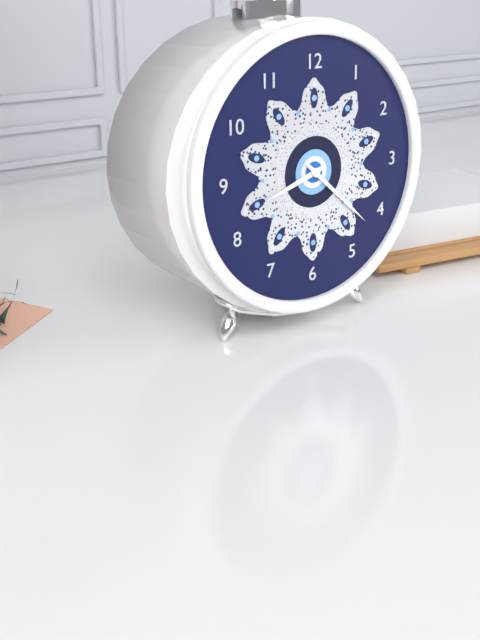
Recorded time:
8,22
